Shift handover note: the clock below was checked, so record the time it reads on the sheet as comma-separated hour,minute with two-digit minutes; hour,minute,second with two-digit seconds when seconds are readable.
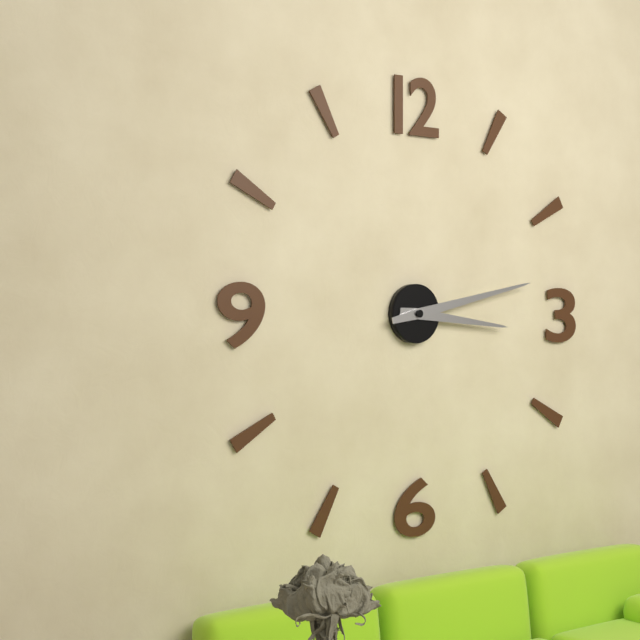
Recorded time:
3,13
